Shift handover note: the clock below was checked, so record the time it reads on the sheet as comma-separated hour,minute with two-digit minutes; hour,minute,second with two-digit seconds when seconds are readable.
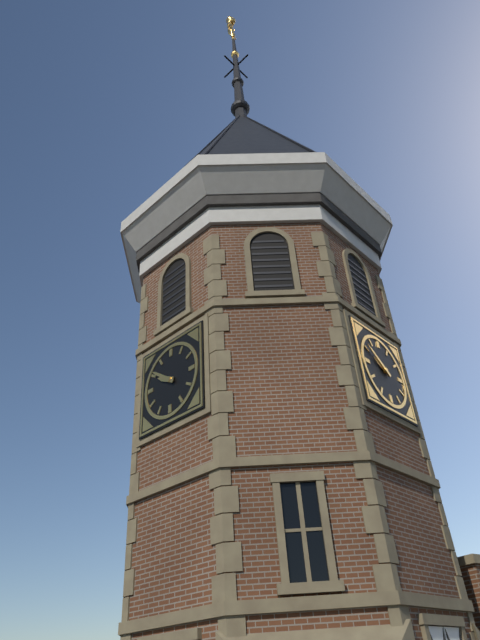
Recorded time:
9,51
